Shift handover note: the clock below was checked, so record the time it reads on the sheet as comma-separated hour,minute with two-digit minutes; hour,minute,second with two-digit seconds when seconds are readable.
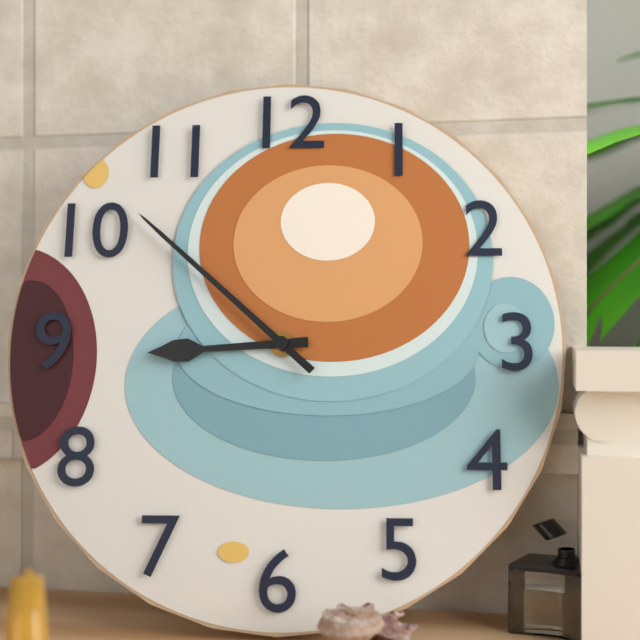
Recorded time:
8,52
